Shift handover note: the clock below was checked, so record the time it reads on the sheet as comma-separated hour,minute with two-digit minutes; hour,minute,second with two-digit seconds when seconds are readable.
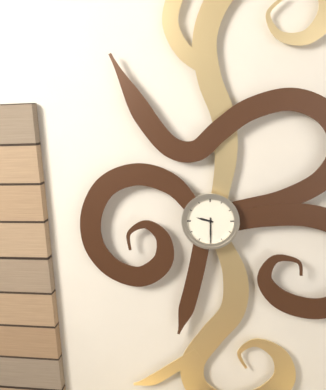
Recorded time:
9,30
